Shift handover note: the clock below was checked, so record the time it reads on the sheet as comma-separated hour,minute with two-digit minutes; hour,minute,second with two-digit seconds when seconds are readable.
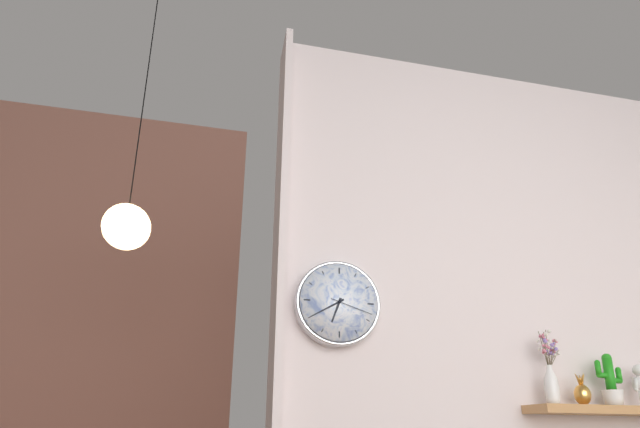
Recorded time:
6,40
